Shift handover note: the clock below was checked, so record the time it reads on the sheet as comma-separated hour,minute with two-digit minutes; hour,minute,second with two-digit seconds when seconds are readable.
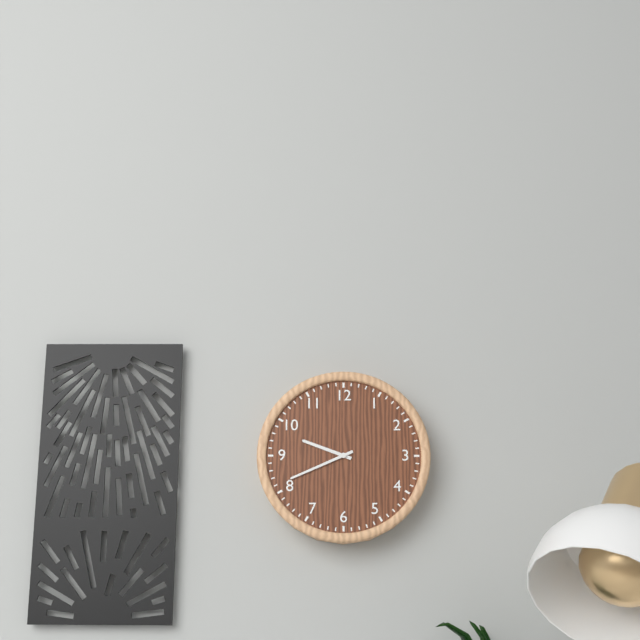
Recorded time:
9,41
